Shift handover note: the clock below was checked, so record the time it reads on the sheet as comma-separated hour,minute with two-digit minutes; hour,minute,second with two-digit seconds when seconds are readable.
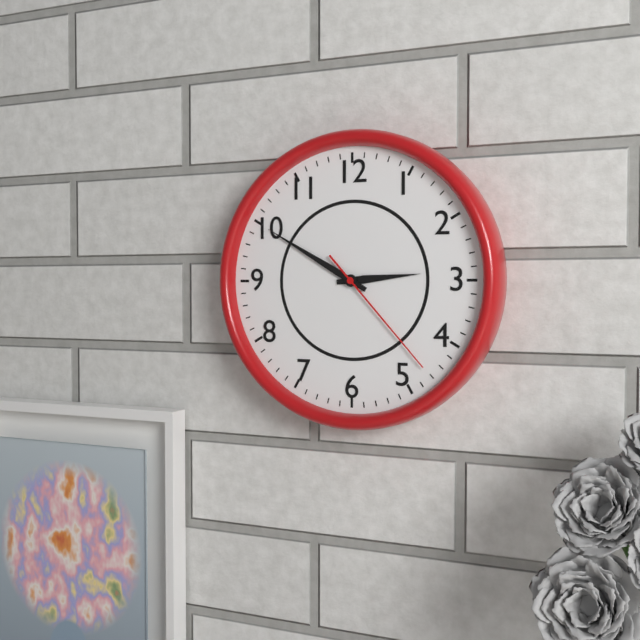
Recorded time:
2,50,23
